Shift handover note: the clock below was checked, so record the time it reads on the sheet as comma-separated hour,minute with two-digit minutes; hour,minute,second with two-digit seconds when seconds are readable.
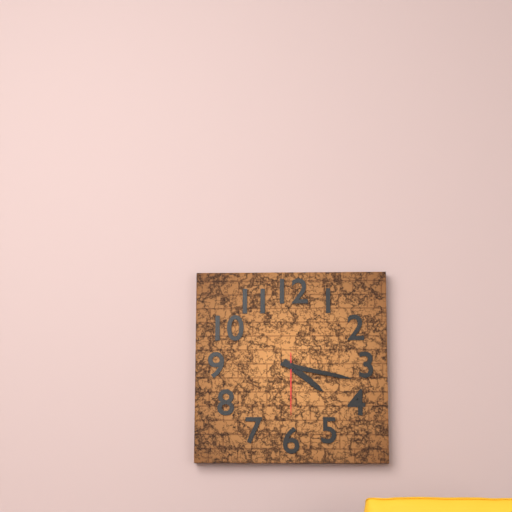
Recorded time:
4,17,30
